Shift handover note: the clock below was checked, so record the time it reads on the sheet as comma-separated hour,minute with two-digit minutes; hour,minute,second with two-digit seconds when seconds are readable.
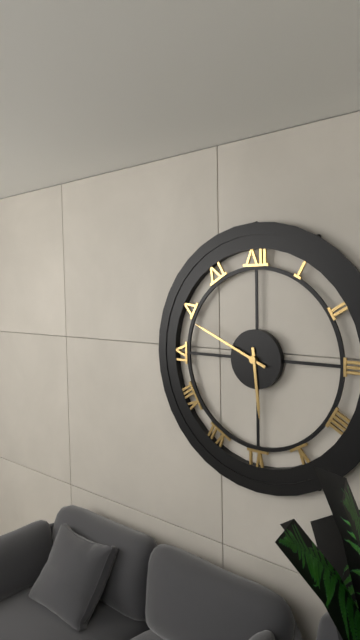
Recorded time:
5,49
